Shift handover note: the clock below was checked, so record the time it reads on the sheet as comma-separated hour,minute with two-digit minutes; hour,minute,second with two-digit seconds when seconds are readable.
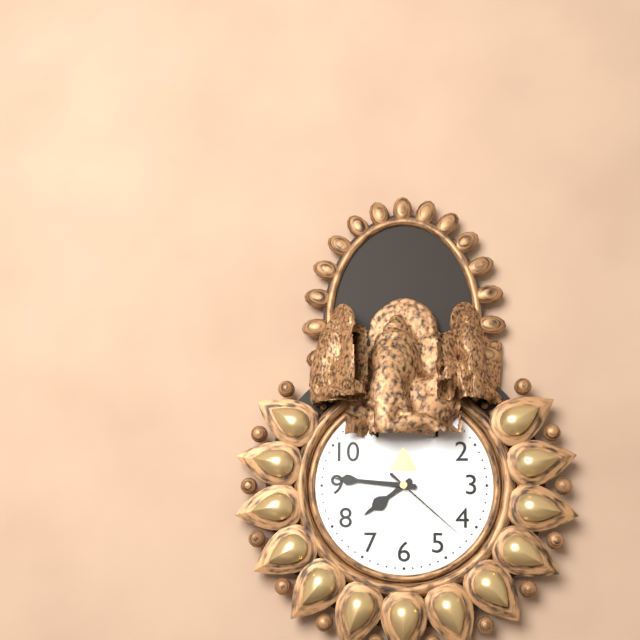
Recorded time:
7,46,22
